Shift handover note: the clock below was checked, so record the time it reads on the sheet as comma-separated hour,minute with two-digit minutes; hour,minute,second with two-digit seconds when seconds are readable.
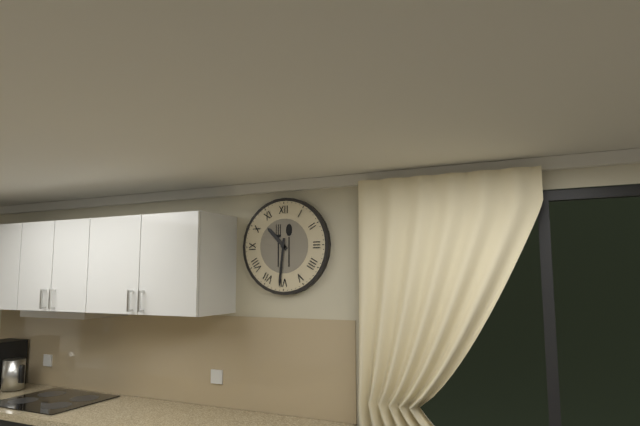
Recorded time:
10,31
